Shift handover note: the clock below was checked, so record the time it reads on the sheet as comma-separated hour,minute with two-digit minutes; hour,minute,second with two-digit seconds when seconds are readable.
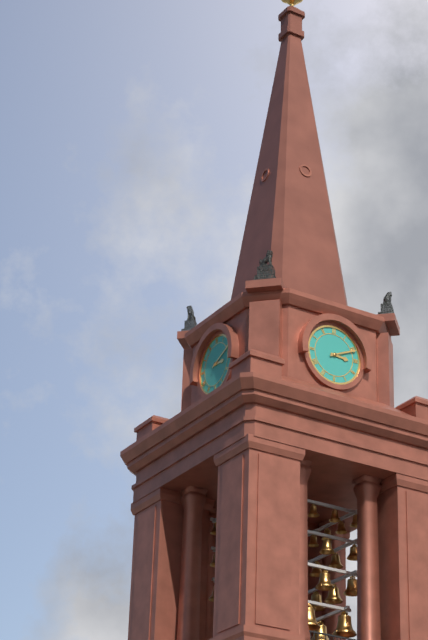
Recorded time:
3,11
